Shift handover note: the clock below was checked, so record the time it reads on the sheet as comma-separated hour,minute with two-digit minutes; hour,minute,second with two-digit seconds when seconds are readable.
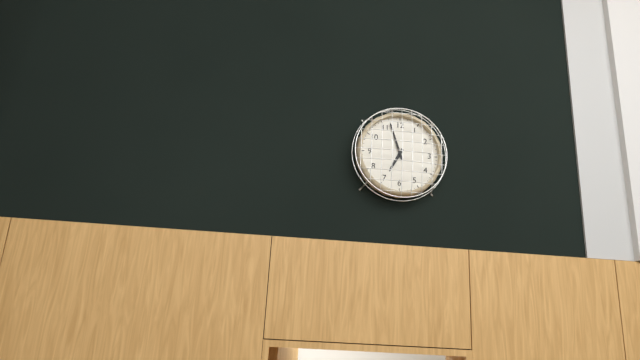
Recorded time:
6,57
